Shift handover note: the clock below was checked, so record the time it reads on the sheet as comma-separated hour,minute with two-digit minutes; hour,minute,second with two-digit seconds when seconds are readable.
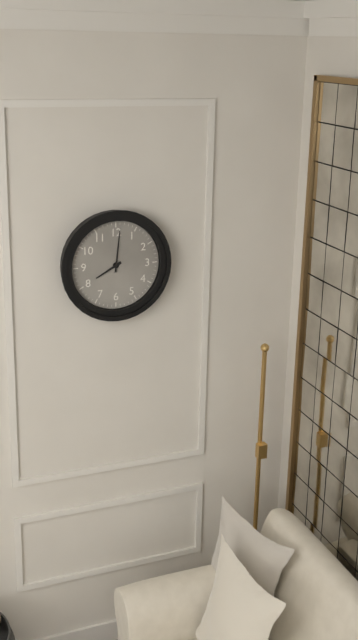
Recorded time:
8,01
